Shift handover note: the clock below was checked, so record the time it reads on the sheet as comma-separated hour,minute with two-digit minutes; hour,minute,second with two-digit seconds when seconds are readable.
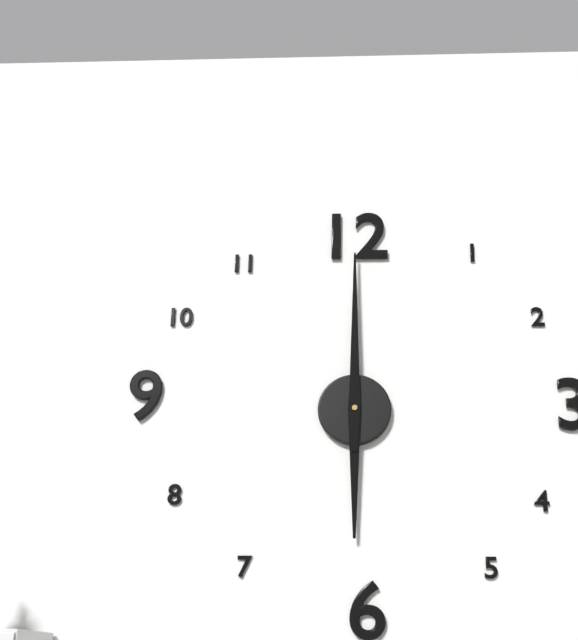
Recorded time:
6,00
